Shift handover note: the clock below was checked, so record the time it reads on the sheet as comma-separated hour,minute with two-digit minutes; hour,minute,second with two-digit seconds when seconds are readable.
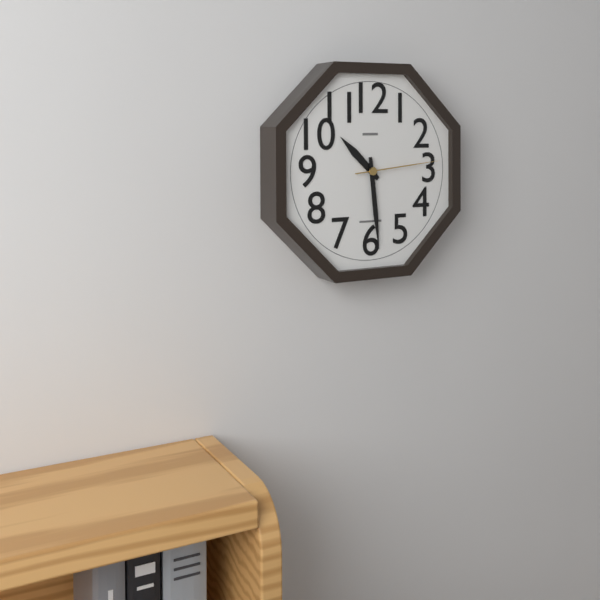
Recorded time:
10,29,14
